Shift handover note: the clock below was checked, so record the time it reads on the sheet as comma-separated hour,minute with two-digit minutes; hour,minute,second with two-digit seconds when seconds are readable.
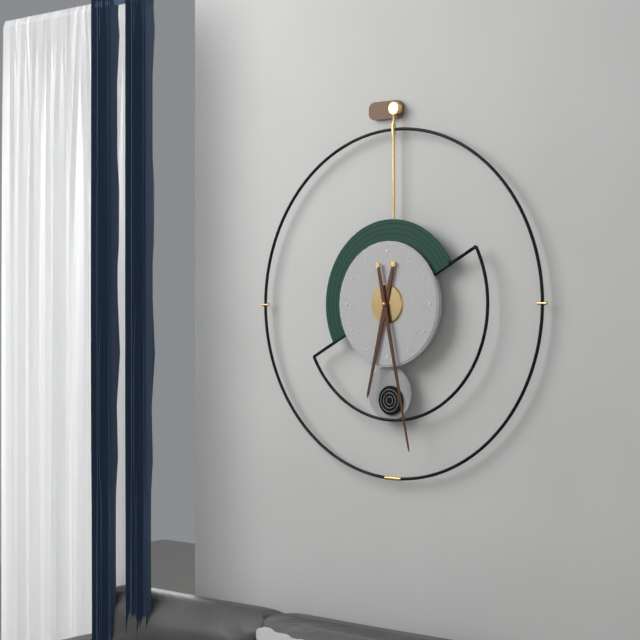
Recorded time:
6,28
